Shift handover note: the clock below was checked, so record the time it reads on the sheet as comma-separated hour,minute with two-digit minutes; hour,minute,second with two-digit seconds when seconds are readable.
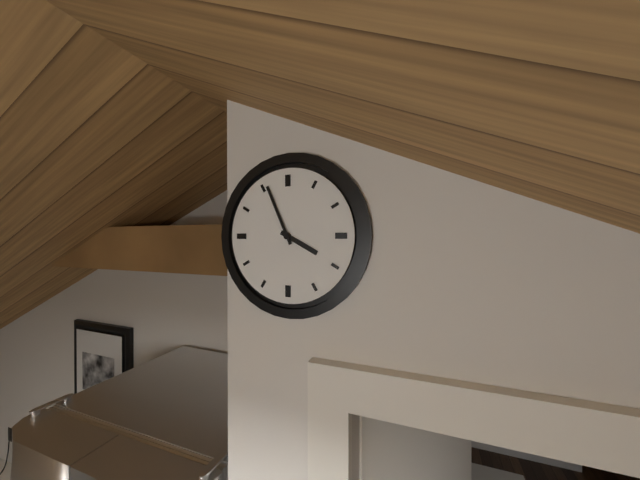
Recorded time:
3,56
